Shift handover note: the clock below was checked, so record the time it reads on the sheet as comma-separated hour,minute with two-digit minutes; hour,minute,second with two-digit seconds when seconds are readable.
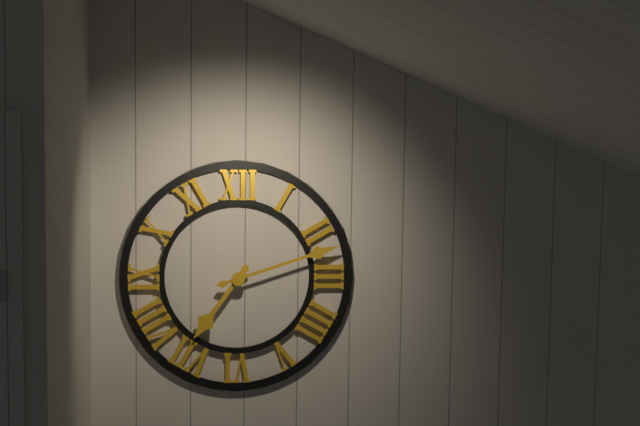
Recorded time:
7,12
